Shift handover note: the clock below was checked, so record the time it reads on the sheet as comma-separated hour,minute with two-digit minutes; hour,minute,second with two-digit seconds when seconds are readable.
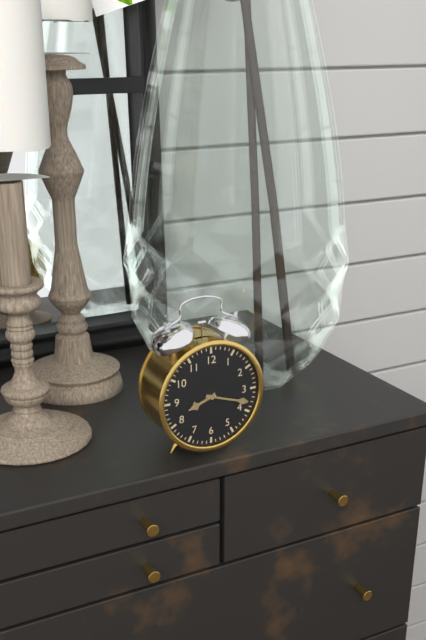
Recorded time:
8,18
